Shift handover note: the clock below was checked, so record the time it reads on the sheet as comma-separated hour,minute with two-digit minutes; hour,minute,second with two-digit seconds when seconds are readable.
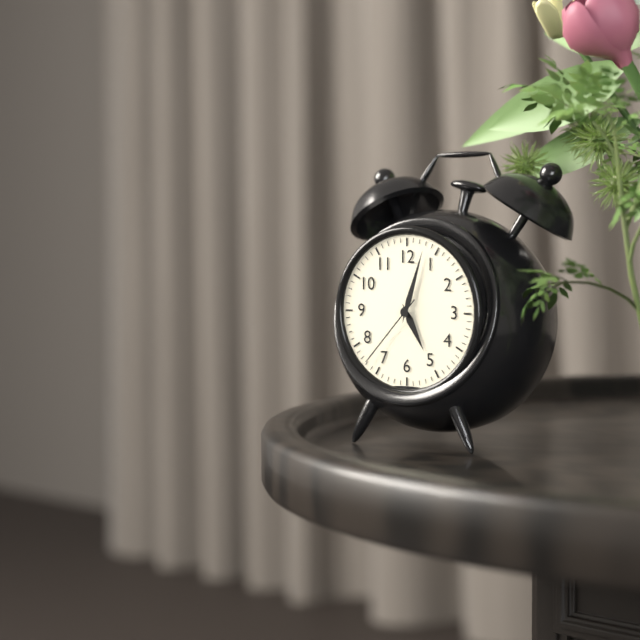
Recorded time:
5,03,37
